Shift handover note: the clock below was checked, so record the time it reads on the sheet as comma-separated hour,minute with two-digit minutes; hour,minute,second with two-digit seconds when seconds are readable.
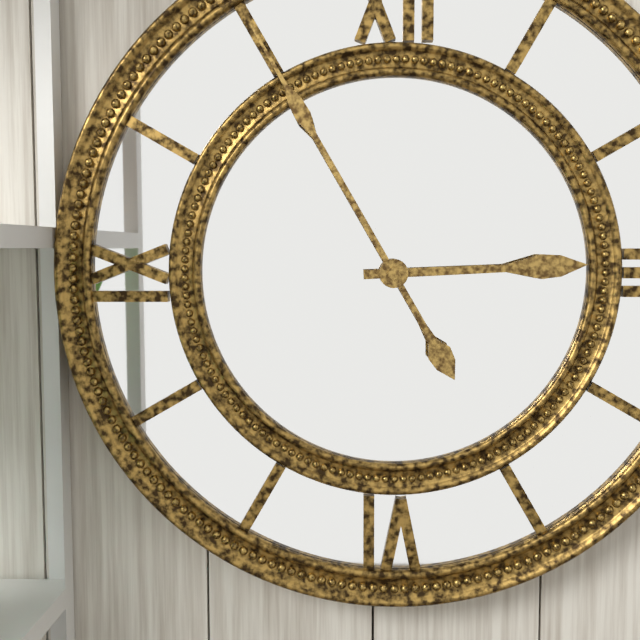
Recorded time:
2,55
